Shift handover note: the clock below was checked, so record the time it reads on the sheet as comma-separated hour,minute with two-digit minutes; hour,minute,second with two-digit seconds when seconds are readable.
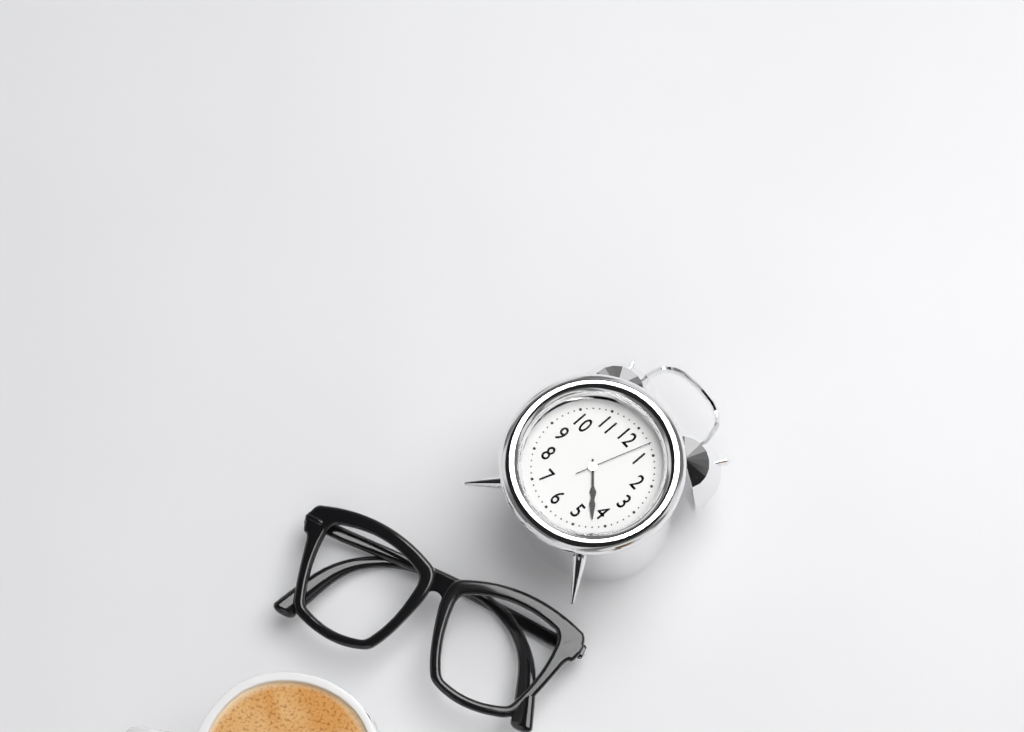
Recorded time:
4,22,03
